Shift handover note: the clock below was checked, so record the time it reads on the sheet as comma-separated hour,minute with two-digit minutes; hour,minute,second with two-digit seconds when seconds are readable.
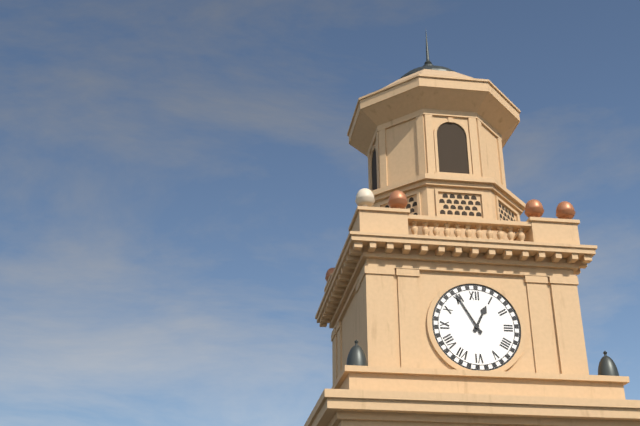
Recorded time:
12,55
